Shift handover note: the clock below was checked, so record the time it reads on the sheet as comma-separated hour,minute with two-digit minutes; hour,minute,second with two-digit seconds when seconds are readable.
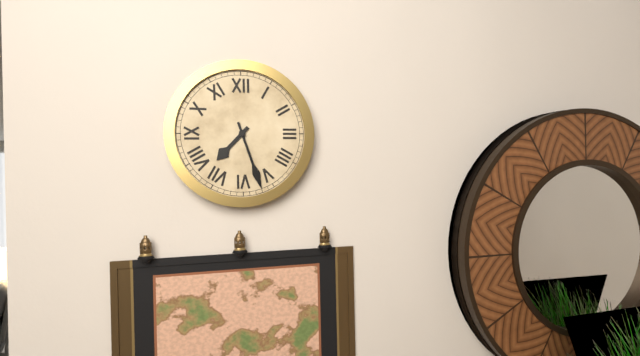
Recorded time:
7,27
